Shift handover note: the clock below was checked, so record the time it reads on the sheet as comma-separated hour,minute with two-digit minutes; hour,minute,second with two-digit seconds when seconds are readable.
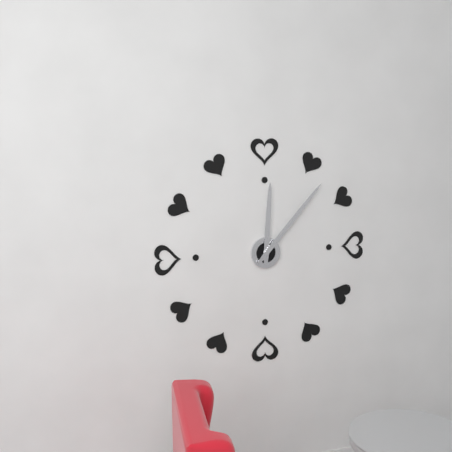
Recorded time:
12,07
